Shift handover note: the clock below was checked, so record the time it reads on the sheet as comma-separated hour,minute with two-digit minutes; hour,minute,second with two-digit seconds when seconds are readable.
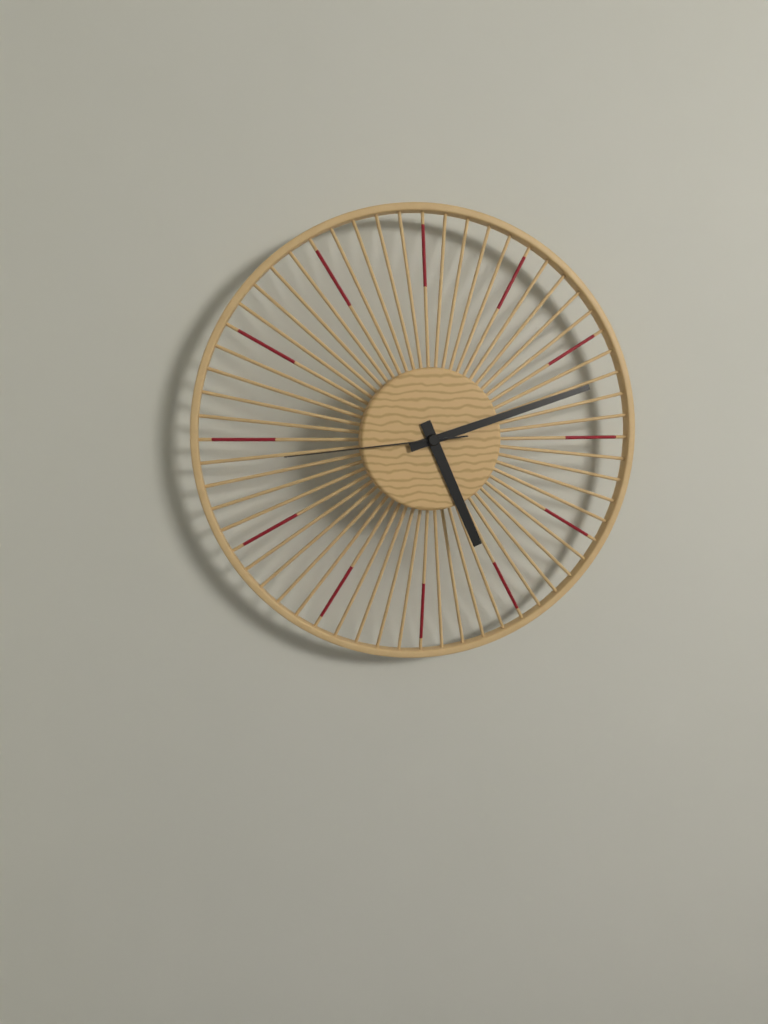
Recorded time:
5,12,44
